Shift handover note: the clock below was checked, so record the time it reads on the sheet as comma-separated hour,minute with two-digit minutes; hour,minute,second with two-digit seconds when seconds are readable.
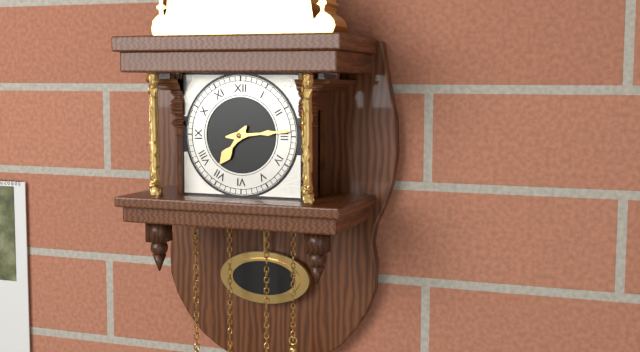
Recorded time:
7,14
